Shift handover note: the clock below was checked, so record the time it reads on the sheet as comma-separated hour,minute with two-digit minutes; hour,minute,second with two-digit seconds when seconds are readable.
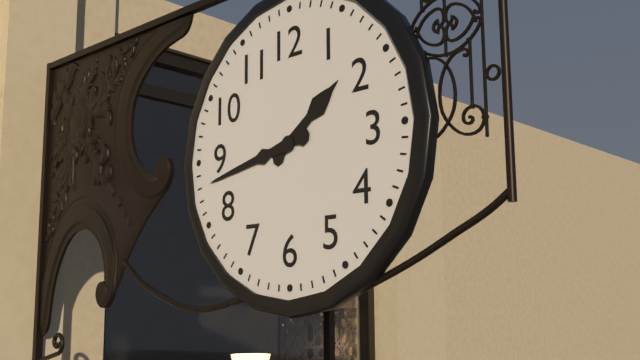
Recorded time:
1,43
